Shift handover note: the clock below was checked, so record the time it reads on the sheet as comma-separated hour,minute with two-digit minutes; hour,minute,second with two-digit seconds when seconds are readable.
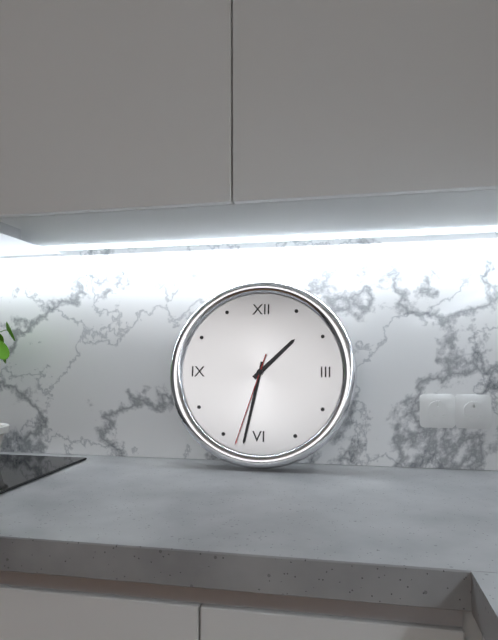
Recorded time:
1,32,33
